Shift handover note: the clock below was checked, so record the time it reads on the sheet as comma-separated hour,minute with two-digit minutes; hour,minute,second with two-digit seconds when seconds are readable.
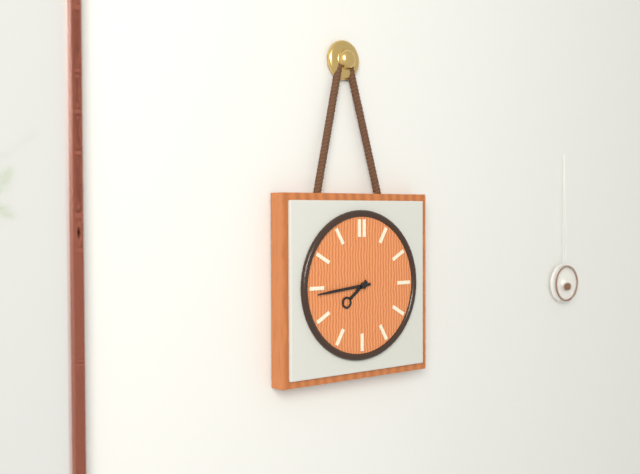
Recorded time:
7,44
